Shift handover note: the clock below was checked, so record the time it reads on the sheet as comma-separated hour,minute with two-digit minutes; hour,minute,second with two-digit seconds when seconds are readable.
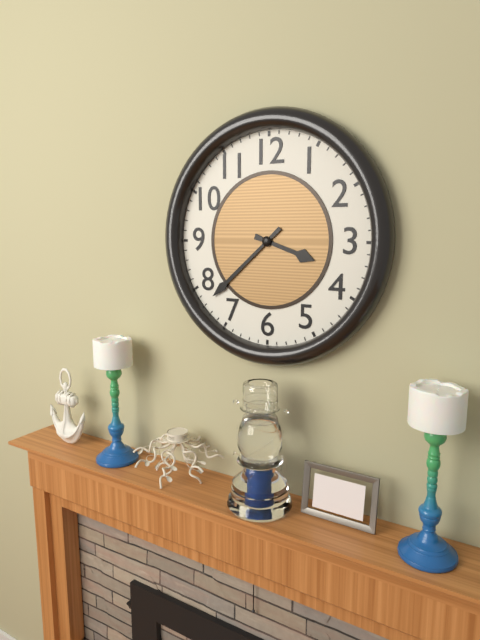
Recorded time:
3,38
